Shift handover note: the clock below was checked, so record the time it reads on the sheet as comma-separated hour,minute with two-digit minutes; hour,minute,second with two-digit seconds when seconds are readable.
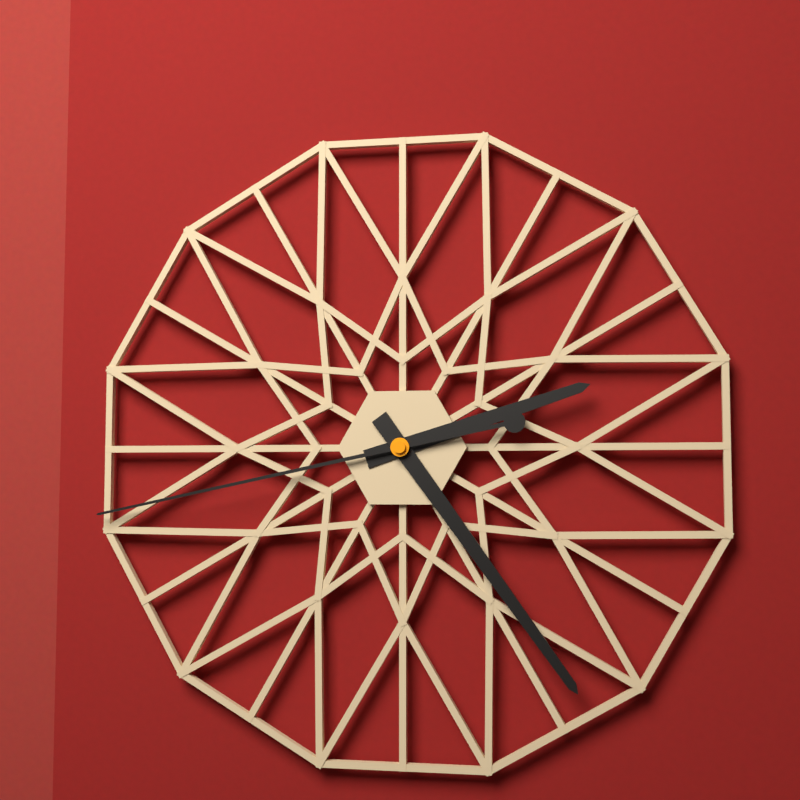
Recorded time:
2,24,43
